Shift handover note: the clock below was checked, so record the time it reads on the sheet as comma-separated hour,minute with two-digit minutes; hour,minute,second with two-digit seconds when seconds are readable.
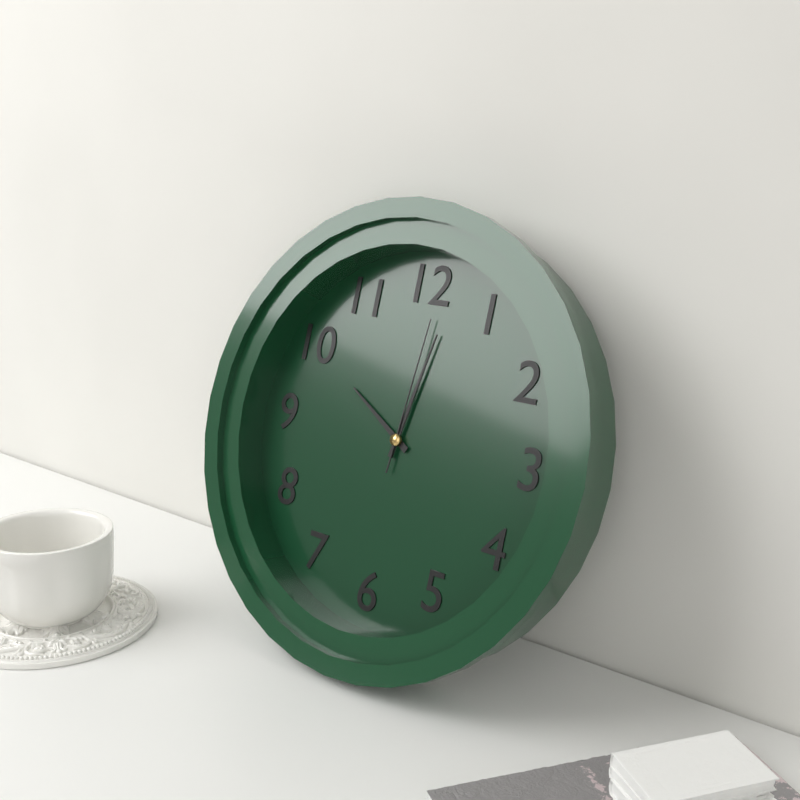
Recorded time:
10,02,01
